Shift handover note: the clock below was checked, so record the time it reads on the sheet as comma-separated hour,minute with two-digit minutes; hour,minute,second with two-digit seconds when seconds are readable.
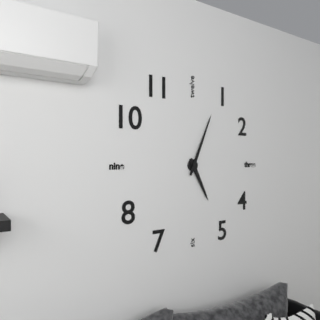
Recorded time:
5,04
